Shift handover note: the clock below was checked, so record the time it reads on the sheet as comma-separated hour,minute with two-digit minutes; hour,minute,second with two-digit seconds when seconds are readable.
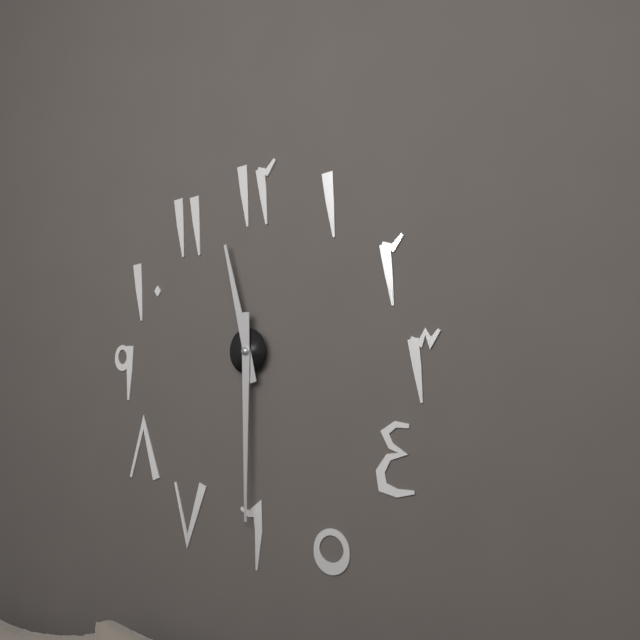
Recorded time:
11,30
